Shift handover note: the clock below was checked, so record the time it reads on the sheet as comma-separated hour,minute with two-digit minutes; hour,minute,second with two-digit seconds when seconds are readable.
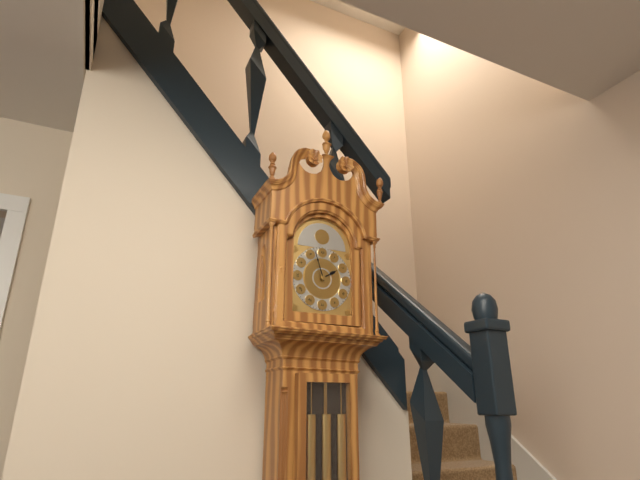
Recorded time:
1,57
